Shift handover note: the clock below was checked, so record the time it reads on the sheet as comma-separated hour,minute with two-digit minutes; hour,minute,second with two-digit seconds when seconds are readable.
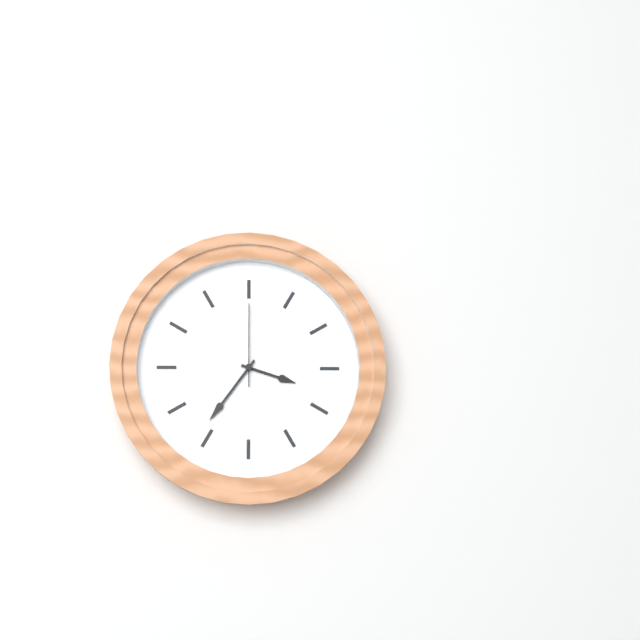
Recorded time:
3,36,00
